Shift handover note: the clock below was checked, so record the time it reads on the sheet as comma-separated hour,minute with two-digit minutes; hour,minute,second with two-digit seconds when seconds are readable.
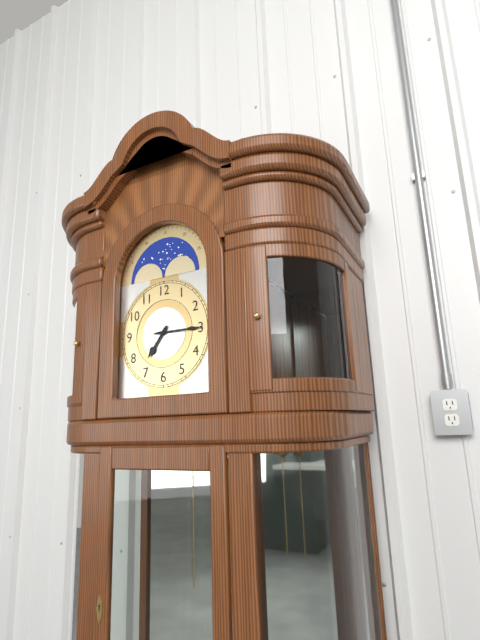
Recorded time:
7,15
